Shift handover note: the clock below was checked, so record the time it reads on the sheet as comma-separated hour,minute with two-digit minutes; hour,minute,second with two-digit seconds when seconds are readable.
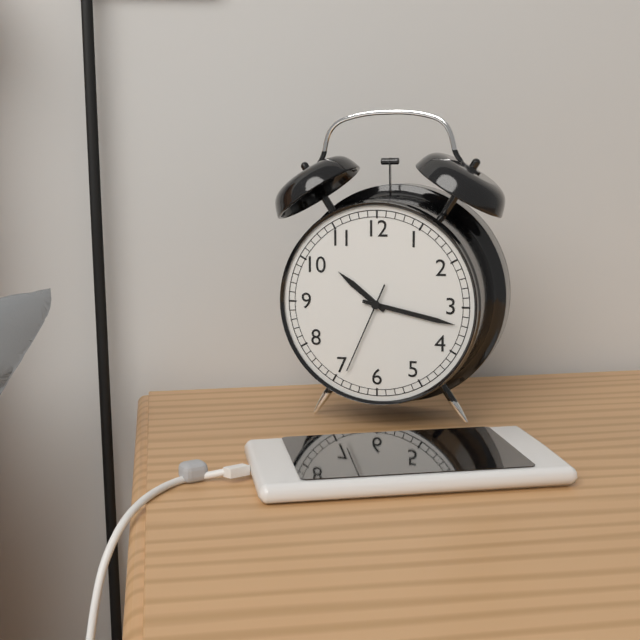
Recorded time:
10,17,34
